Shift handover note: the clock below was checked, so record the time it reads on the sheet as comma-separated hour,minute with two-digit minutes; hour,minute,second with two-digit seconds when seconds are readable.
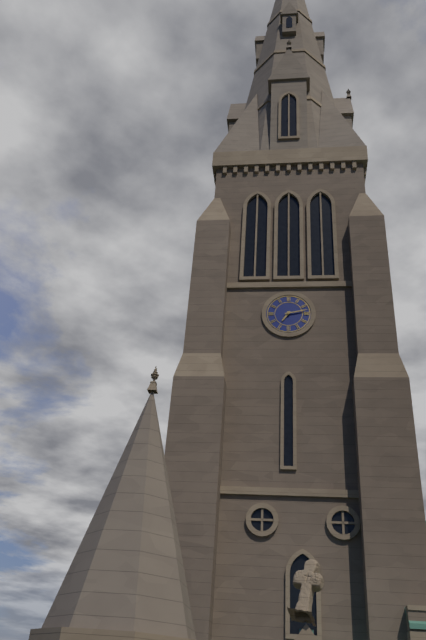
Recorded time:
7,13
